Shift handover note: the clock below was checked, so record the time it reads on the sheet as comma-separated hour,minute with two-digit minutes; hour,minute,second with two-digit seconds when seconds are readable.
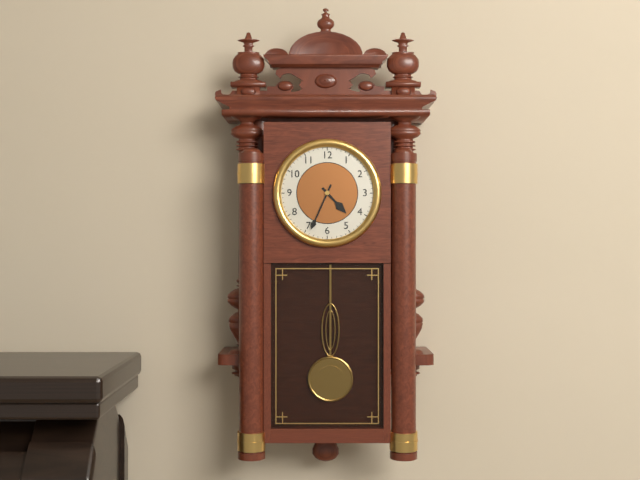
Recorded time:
4,34
